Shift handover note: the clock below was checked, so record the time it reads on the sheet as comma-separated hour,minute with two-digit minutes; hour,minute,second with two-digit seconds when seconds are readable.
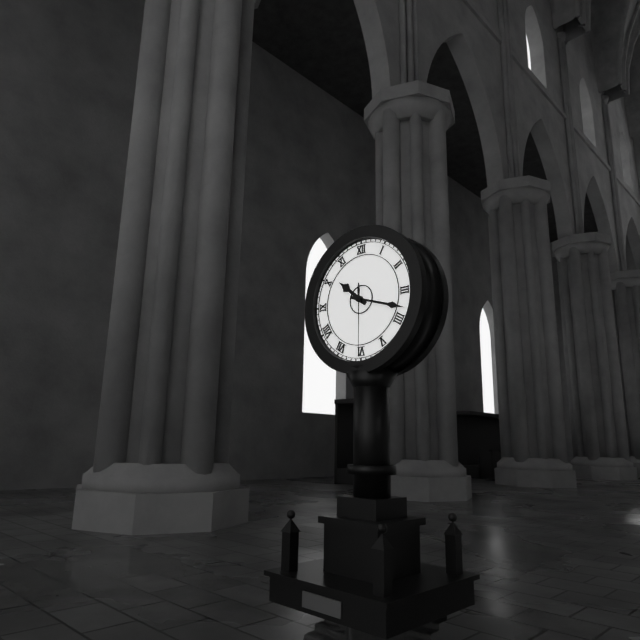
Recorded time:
10,18,30
